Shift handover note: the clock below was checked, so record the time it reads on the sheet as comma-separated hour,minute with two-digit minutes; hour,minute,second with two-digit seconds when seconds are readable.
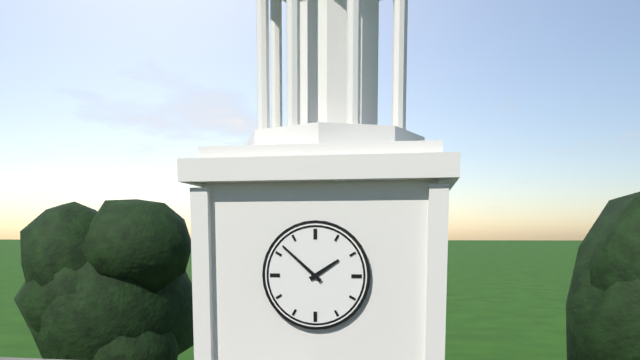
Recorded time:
1,52
